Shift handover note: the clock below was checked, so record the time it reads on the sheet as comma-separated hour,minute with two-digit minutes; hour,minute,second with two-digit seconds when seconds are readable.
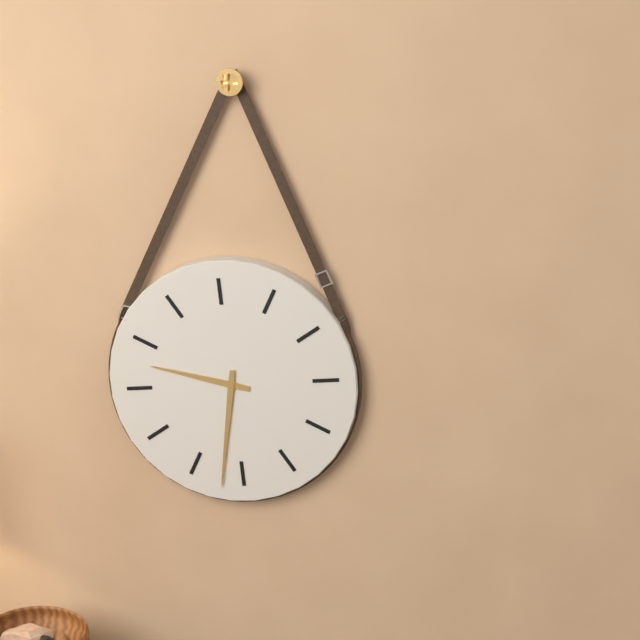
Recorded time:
9,32
